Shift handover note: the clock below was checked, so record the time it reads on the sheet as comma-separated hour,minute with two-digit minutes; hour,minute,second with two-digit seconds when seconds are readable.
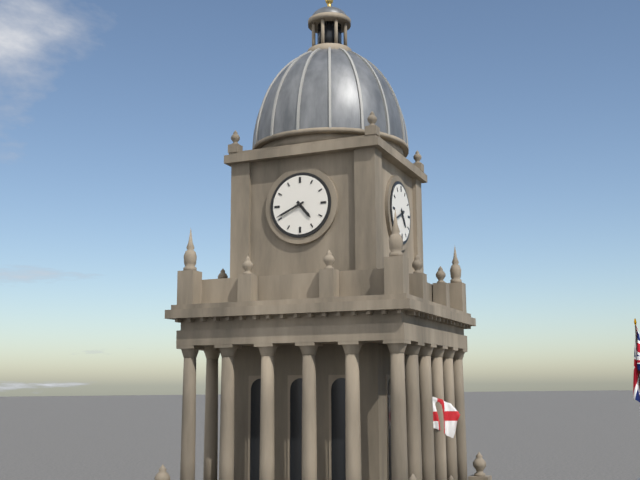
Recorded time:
4,41
